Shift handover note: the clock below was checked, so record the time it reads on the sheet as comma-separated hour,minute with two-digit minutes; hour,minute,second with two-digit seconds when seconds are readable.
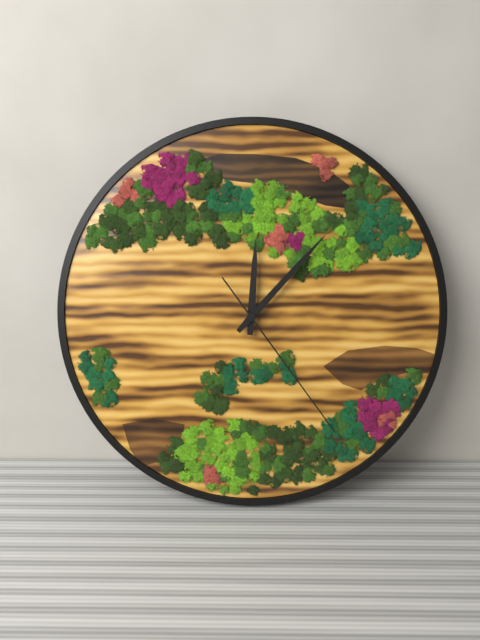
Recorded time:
12,07,24
